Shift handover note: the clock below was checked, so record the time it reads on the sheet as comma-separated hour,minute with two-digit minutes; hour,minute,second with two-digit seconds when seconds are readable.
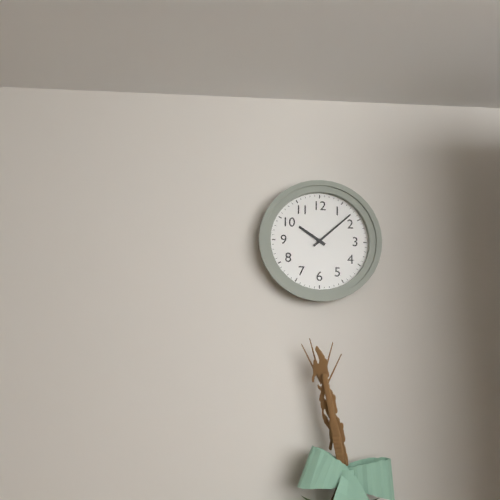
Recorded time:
10,08
